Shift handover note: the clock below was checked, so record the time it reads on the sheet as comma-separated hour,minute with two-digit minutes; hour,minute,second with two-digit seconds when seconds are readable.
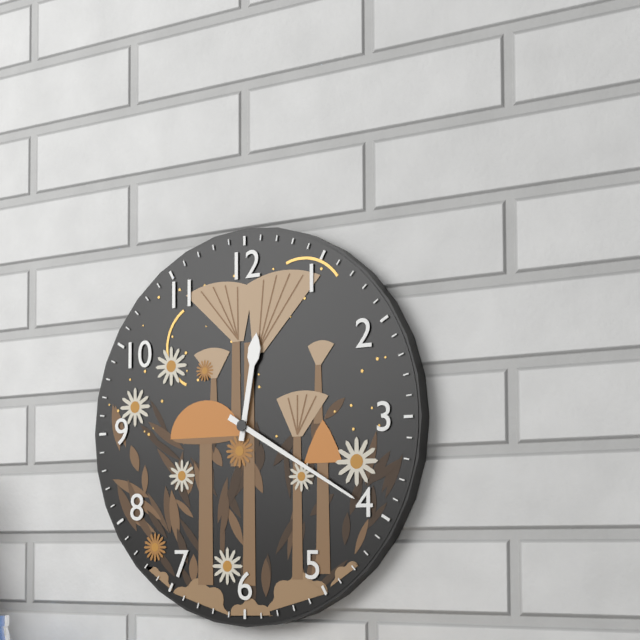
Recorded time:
12,20
